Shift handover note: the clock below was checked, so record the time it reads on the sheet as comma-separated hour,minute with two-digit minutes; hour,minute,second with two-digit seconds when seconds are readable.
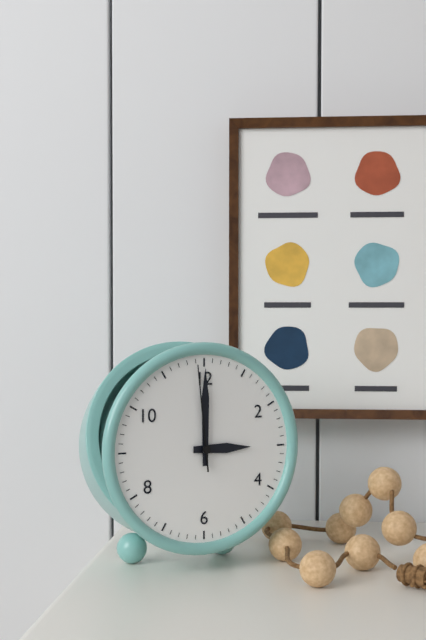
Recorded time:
3,00,59
